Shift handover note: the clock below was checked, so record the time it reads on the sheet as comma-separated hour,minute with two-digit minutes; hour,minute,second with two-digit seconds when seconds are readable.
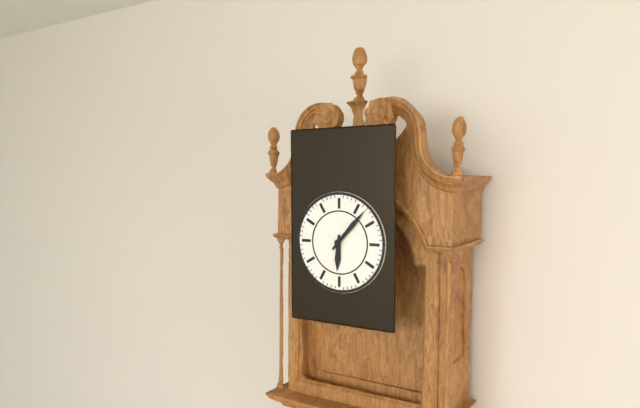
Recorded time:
6,07
